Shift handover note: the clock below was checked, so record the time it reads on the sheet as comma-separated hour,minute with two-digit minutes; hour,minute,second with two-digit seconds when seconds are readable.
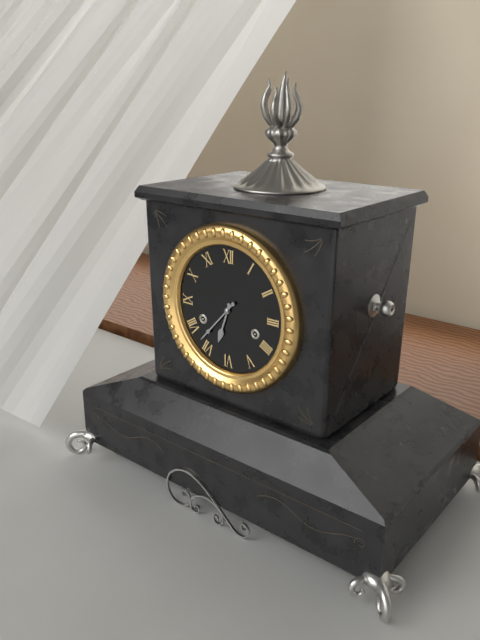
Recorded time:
6,37
